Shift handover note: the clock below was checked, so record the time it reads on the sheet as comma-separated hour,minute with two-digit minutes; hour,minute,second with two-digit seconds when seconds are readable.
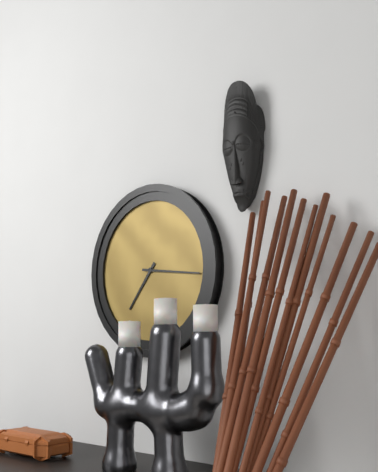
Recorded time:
7,16
